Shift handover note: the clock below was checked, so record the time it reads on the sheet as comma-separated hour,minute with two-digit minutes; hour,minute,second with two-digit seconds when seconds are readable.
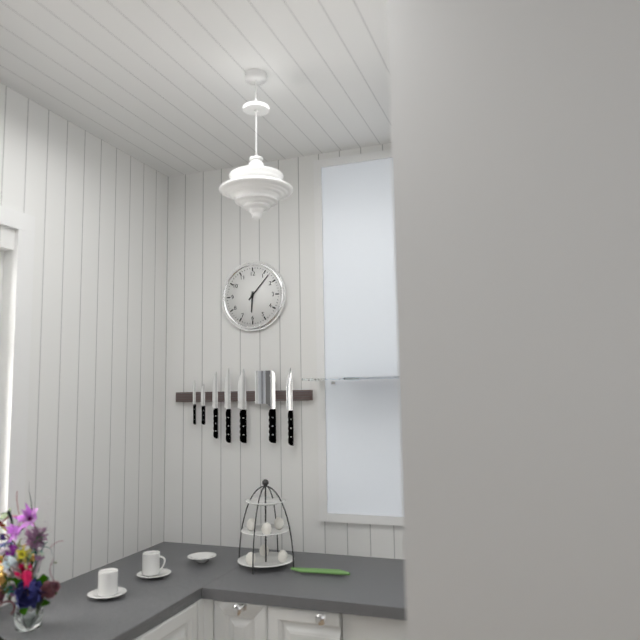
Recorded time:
6,07
